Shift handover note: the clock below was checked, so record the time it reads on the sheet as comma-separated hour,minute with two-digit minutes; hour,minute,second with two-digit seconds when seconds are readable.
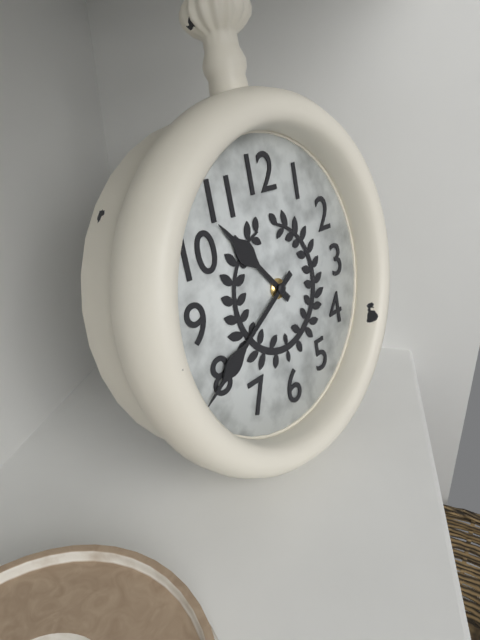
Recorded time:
10,40
